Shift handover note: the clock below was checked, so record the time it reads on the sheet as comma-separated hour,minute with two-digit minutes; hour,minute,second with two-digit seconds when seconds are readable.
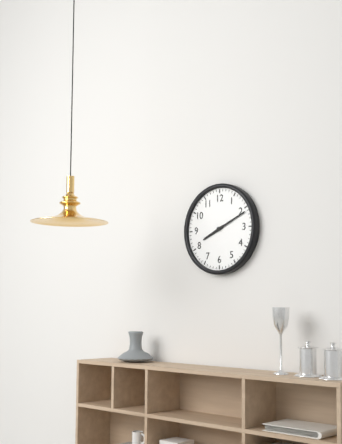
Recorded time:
8,11
